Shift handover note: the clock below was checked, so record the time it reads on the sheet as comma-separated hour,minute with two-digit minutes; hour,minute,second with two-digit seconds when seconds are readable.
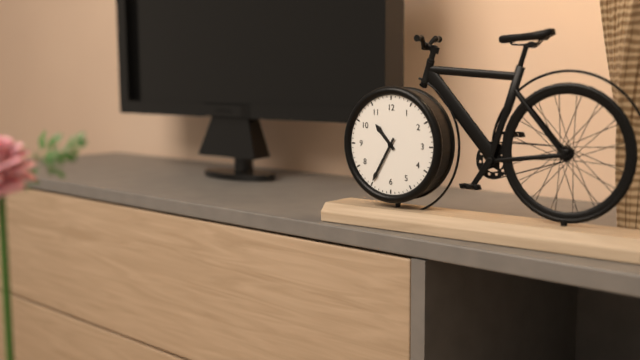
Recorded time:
10,35
